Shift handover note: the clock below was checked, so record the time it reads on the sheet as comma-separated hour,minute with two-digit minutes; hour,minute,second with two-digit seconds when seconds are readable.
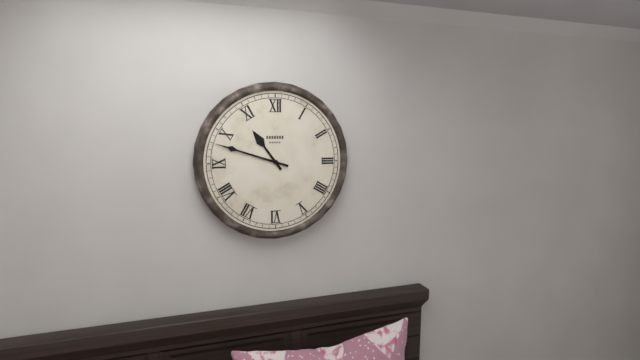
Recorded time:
10,48
